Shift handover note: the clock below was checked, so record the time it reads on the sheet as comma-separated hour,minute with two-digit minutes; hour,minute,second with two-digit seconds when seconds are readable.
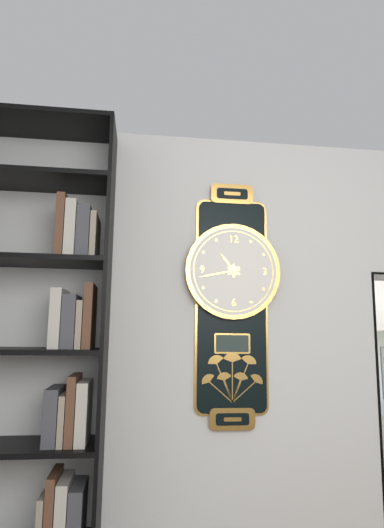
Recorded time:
10,43
